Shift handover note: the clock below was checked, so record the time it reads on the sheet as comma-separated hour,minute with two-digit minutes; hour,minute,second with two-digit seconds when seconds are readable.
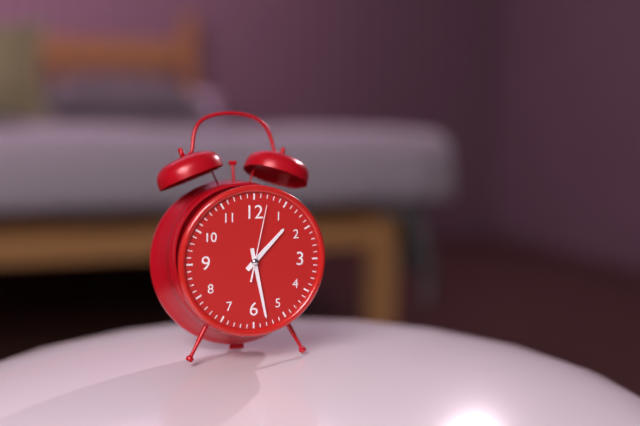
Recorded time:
1,28,02
